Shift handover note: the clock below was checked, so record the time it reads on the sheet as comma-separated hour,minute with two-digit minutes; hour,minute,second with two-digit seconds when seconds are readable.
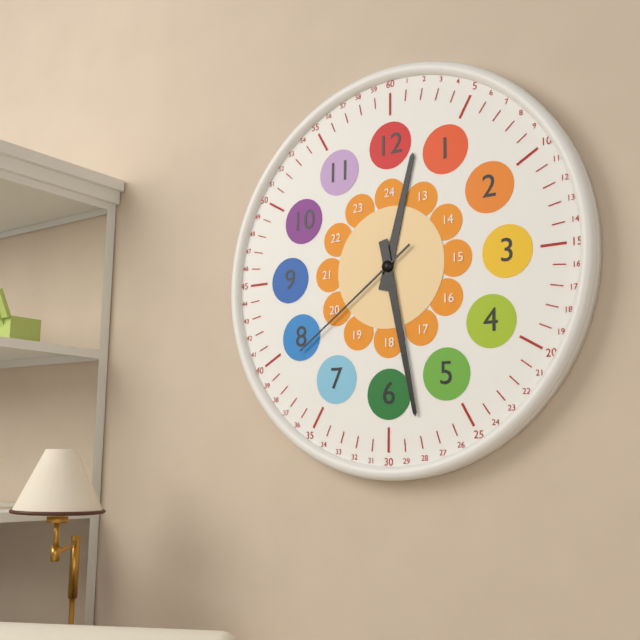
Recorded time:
12,28,39
